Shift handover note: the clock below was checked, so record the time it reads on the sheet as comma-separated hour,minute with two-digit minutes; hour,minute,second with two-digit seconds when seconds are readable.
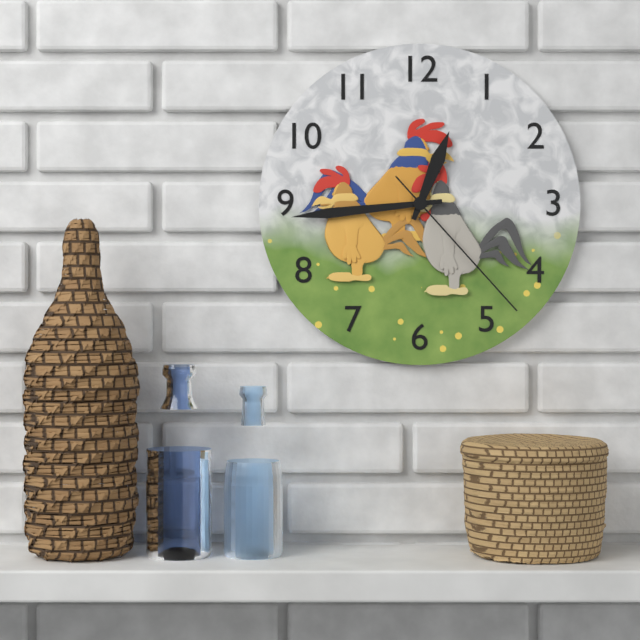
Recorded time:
12,44,23
